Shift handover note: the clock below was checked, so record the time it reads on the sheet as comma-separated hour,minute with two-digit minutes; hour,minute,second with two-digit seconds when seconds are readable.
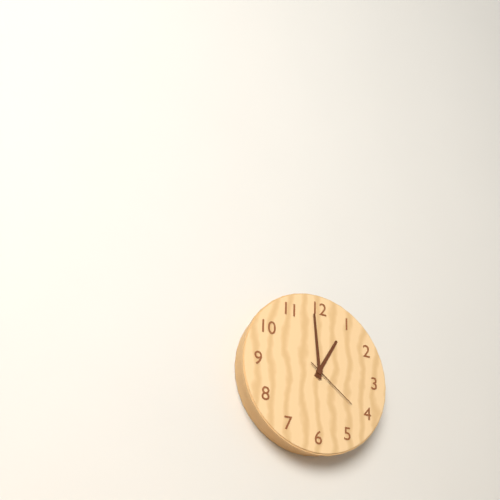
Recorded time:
12,59,21
